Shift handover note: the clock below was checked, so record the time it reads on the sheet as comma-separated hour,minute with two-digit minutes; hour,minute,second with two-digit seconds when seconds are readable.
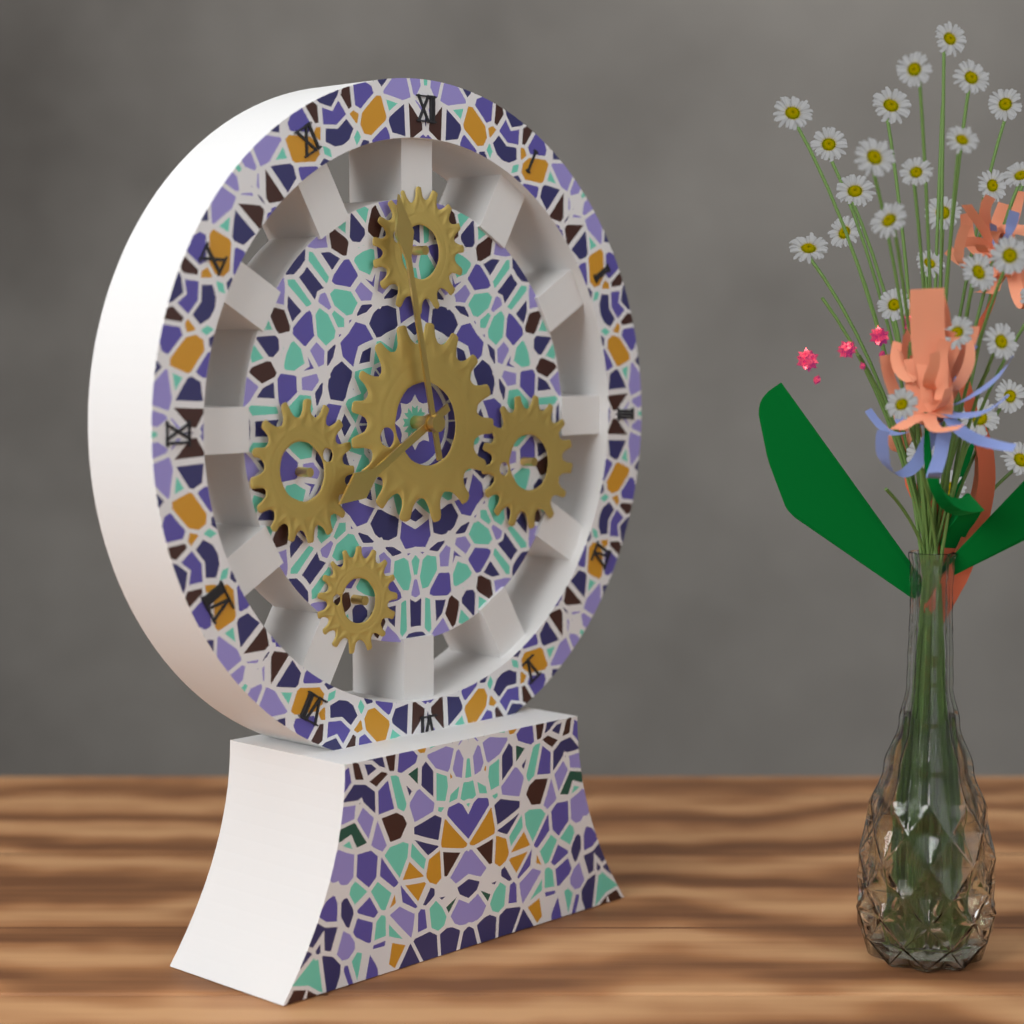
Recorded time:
7,58
